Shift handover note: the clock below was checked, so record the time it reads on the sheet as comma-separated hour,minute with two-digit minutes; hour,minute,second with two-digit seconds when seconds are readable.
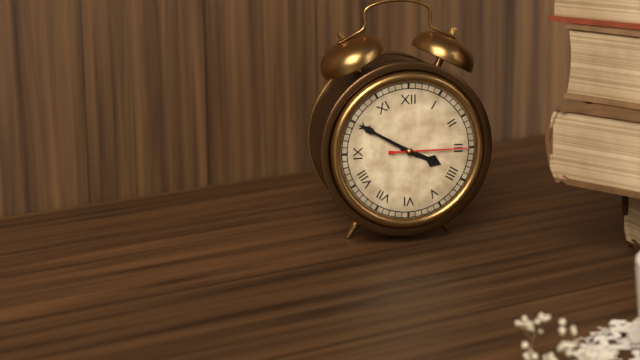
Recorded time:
3,50,15
